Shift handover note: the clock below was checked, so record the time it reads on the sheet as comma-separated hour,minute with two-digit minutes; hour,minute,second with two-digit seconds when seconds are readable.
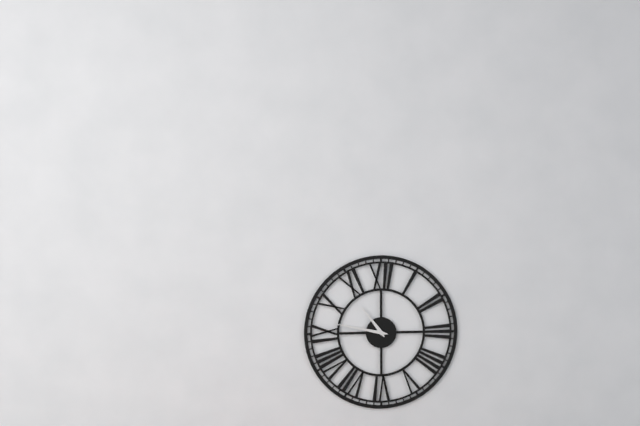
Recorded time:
10,47
